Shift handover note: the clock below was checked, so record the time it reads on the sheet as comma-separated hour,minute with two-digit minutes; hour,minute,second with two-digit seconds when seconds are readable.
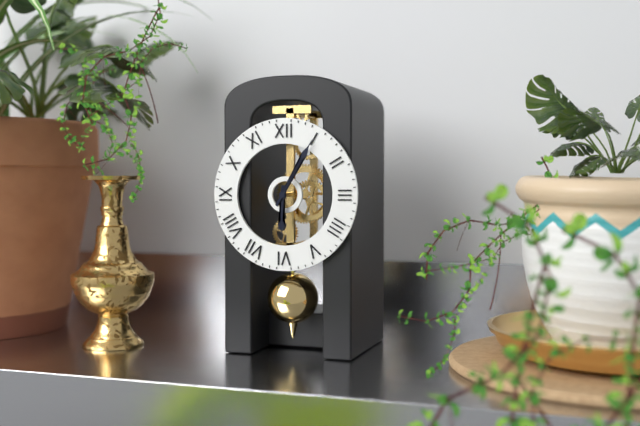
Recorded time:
6,05
